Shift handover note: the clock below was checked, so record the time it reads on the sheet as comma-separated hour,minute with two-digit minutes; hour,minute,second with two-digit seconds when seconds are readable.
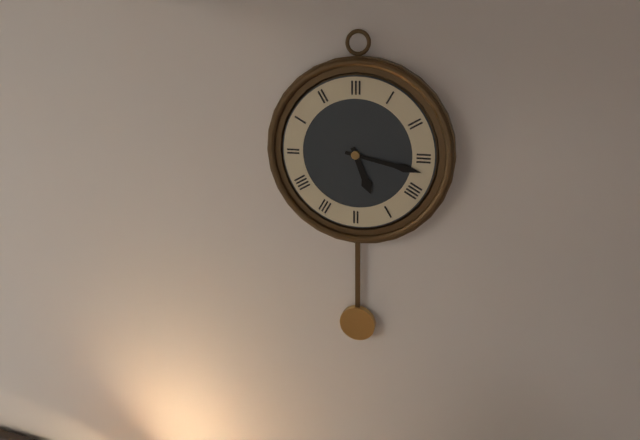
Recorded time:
5,17
